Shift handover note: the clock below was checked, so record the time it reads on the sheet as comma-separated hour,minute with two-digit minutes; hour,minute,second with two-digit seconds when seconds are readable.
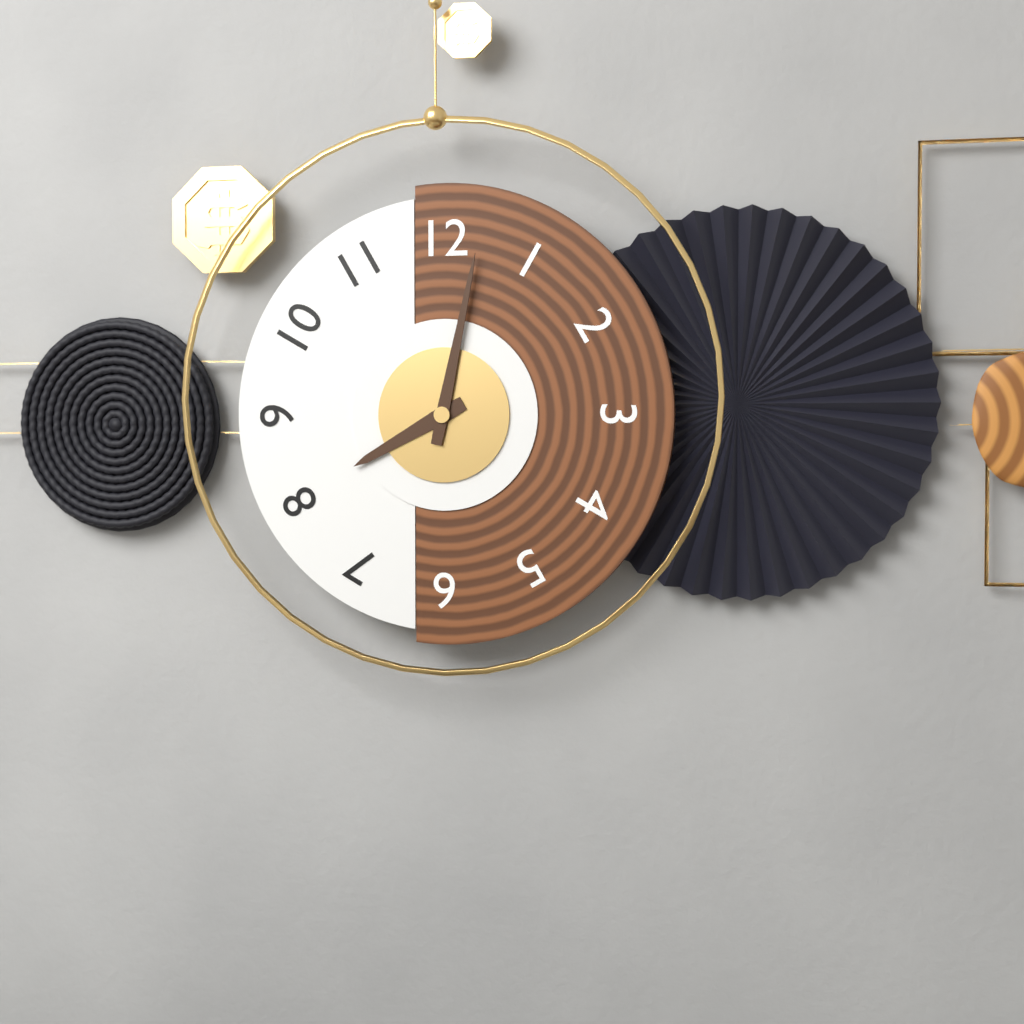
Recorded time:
8,02
